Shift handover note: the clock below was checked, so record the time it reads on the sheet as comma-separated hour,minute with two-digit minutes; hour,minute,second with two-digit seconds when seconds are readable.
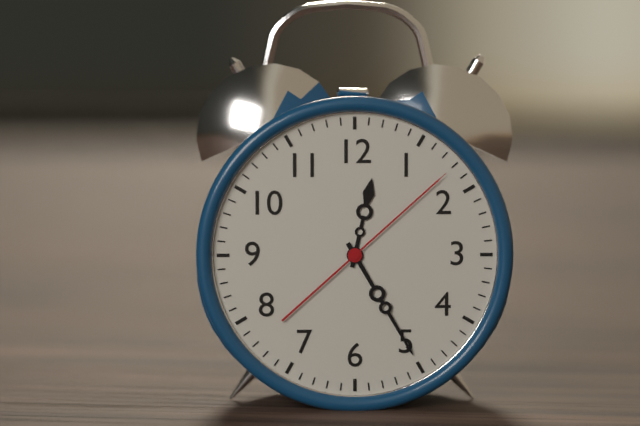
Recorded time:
12,25,08
